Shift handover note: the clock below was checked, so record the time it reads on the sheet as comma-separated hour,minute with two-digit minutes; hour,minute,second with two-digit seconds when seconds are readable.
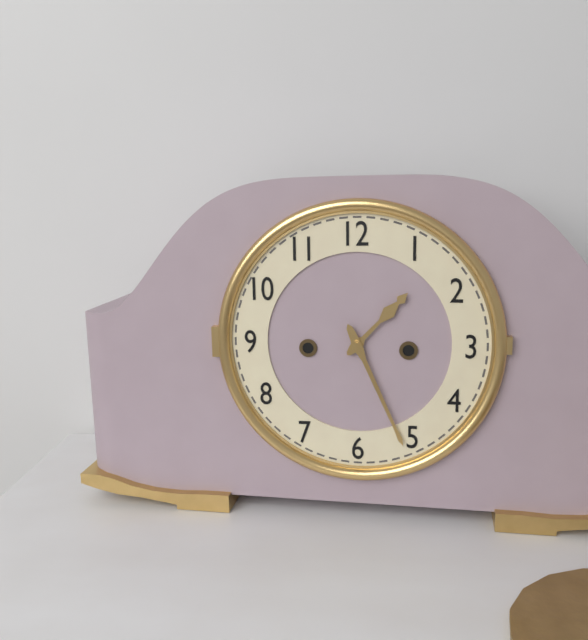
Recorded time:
1,26
